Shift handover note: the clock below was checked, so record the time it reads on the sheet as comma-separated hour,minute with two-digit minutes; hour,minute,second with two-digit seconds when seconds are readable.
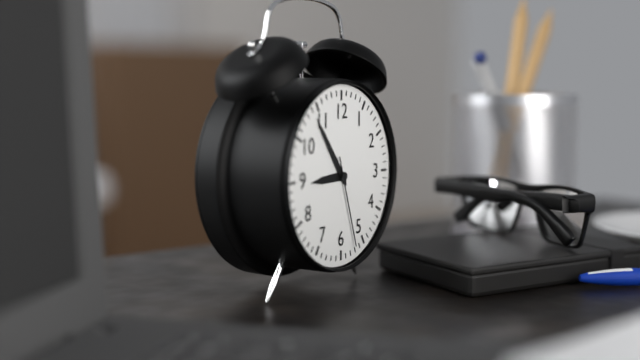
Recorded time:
8,54,27
